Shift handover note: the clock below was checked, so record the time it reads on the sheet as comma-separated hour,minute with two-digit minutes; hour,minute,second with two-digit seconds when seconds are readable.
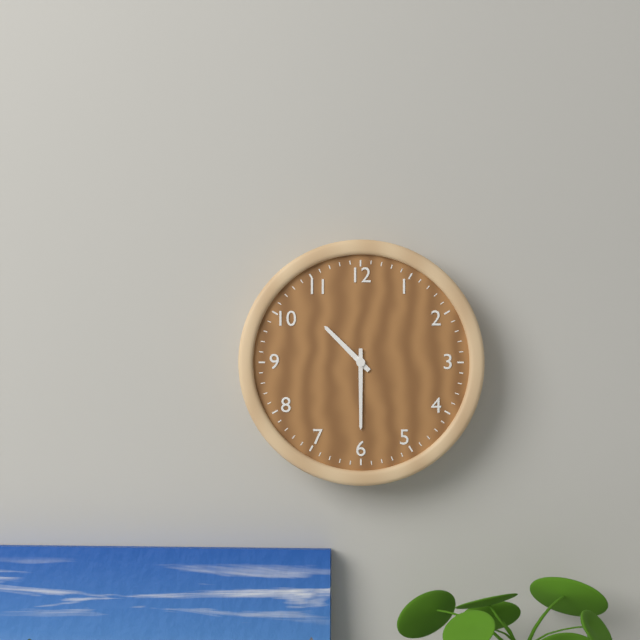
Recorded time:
10,30
